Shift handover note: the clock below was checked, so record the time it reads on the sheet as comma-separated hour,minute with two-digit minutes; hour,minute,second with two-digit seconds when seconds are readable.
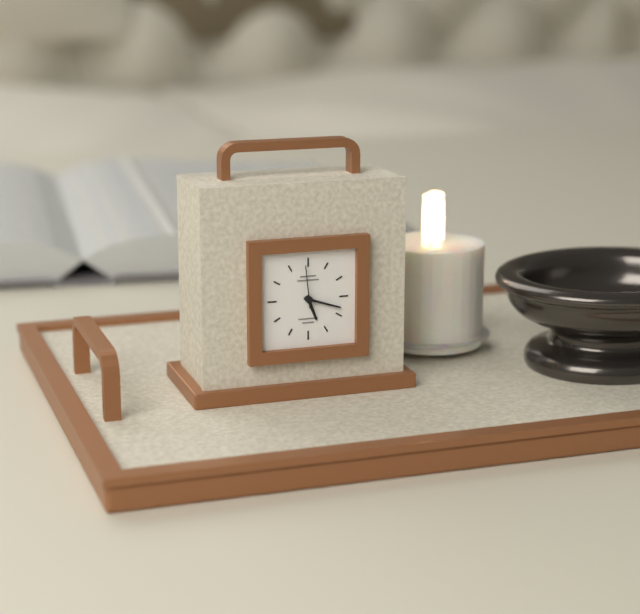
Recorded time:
5,18
